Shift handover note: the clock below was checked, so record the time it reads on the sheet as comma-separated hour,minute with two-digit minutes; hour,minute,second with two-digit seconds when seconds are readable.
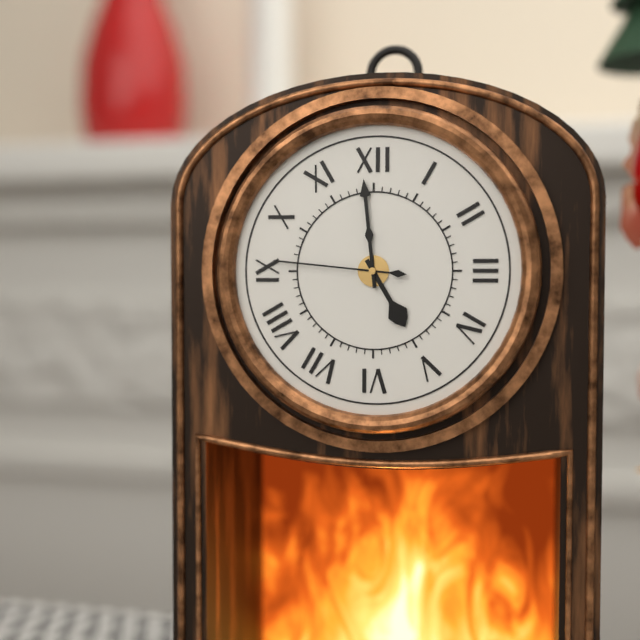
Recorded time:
4,59,46
